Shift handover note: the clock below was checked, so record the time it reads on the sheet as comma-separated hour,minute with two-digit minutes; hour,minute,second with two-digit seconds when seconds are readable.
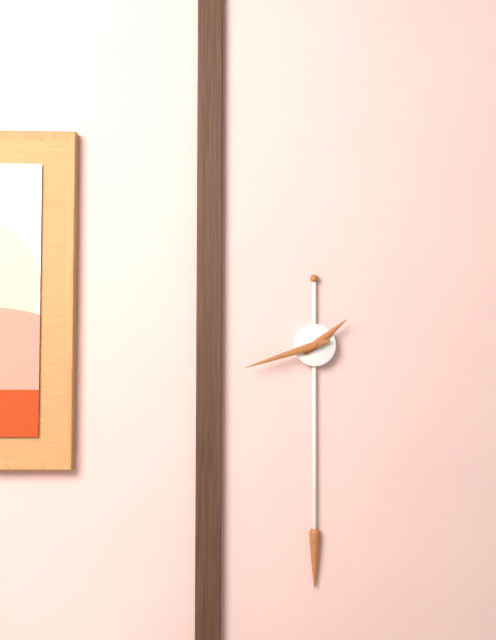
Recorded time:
1,42
